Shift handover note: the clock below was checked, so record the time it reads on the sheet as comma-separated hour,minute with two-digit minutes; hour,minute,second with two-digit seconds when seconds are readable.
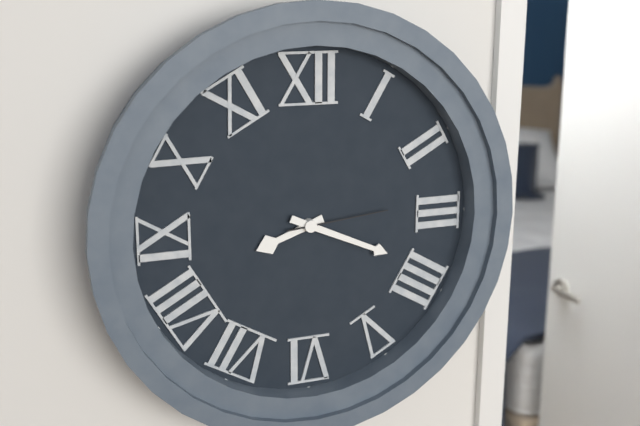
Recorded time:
8,19,14
